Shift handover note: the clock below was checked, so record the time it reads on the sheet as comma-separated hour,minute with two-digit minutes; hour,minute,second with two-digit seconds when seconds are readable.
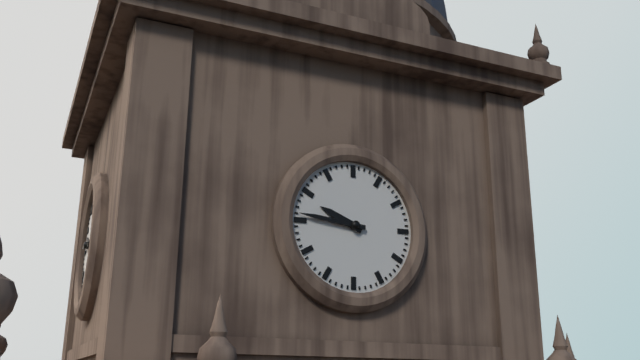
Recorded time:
9,46
